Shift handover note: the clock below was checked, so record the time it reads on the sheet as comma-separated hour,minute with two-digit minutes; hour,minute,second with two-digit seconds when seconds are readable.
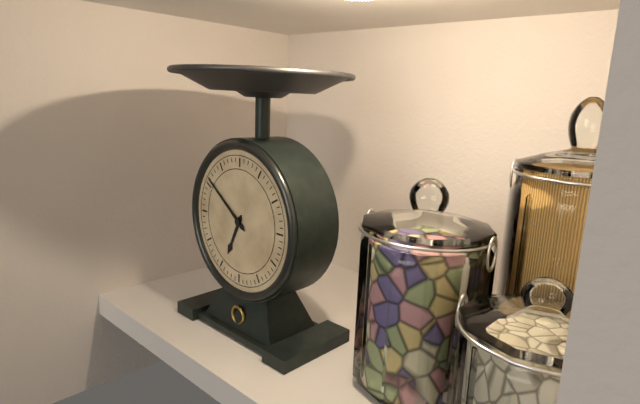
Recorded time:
6,51
